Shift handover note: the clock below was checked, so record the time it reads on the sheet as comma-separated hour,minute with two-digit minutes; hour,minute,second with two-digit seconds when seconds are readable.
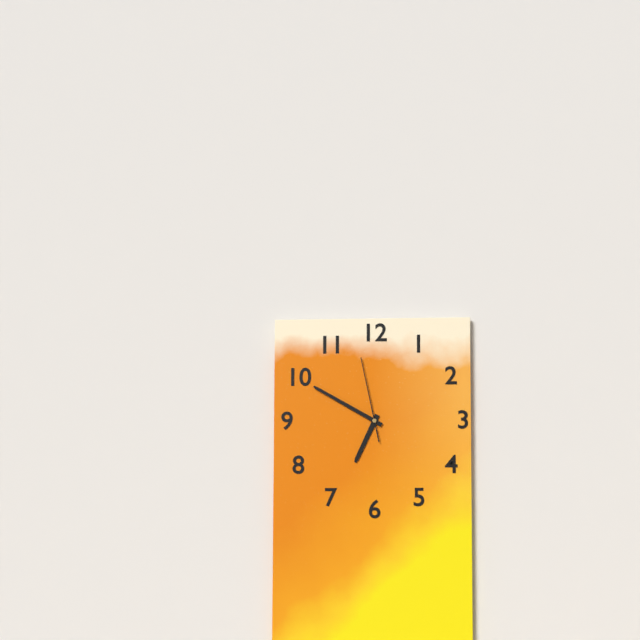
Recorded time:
6,50,58
